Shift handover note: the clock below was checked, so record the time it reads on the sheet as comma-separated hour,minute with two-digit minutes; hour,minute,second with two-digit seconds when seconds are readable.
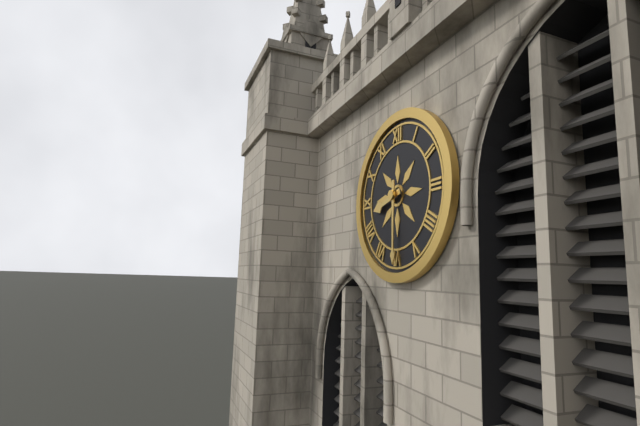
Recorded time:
8,30
